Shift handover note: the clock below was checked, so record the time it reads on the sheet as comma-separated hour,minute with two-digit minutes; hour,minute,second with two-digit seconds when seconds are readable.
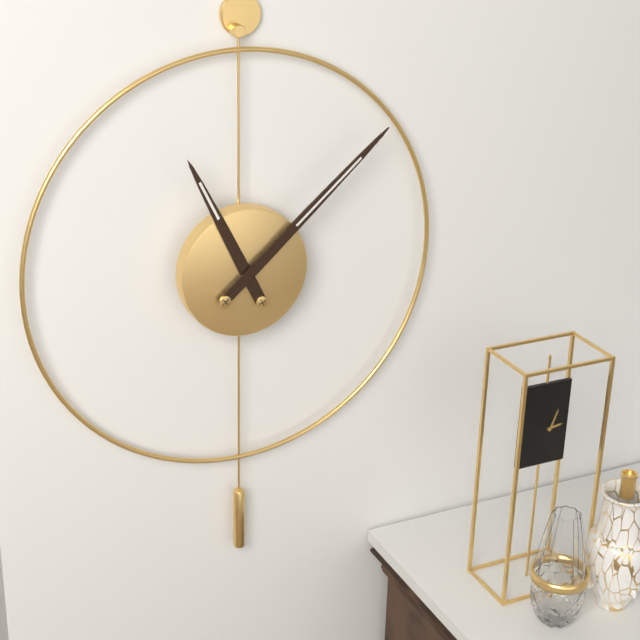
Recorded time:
11,08
